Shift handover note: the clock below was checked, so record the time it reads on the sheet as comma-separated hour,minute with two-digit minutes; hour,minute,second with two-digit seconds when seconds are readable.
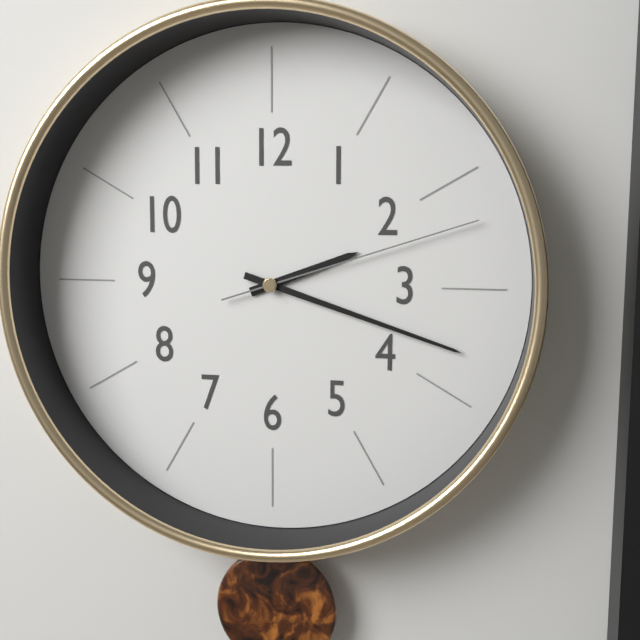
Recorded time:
2,18,12
